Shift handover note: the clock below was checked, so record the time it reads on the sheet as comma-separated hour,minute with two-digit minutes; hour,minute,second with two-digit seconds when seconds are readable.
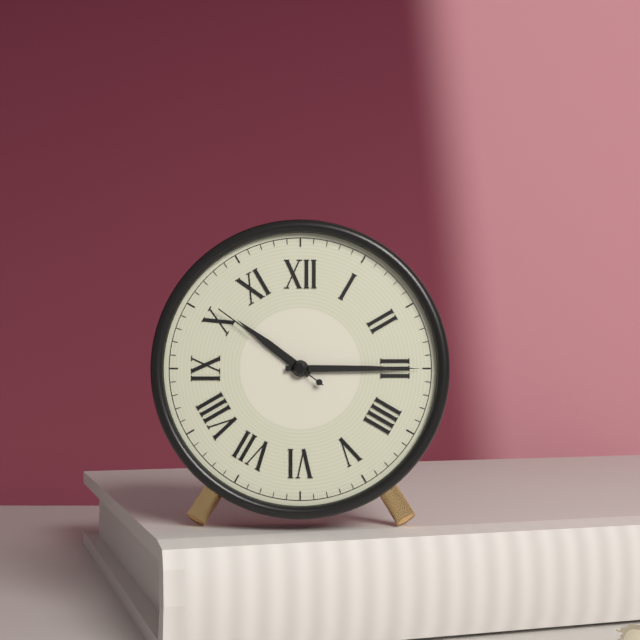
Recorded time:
10,15,51
